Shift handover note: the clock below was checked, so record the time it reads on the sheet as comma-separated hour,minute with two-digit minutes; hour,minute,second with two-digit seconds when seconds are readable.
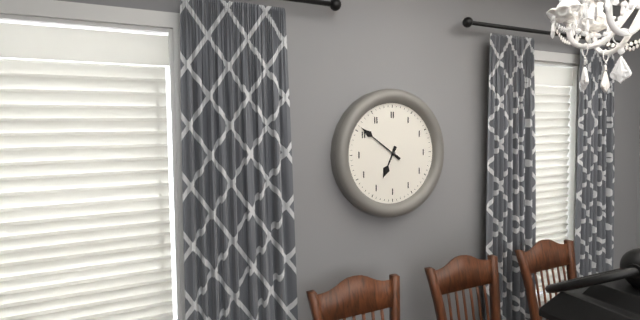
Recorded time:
6,51
